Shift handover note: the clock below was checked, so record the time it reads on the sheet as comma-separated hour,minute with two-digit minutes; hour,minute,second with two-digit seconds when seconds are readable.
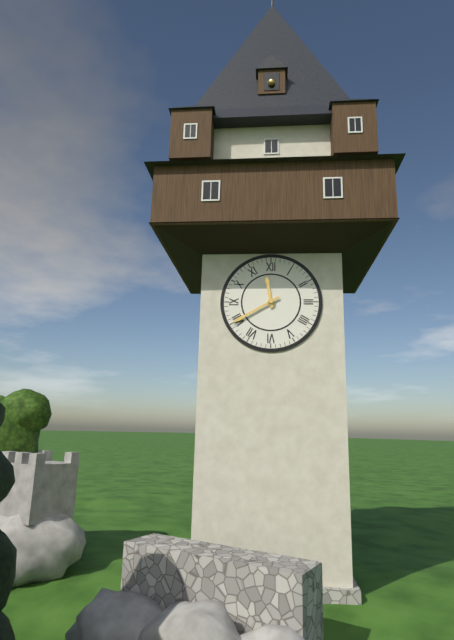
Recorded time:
11,40
